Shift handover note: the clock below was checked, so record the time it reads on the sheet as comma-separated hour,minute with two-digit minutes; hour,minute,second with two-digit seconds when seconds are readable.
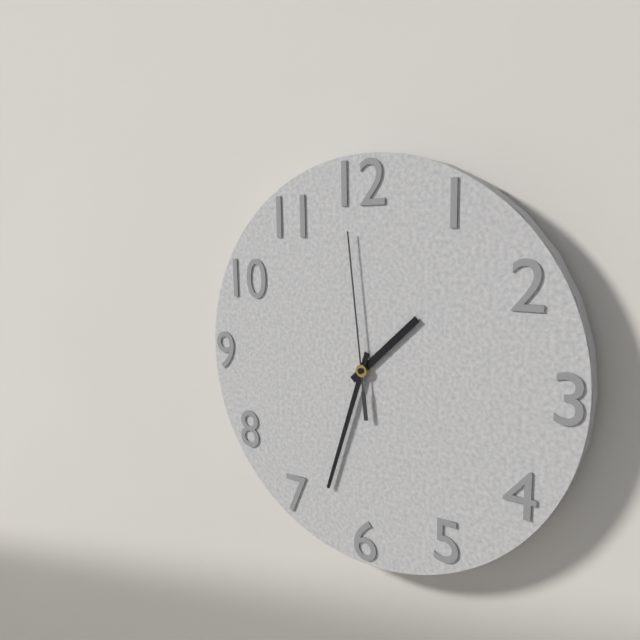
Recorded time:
1,33,59
